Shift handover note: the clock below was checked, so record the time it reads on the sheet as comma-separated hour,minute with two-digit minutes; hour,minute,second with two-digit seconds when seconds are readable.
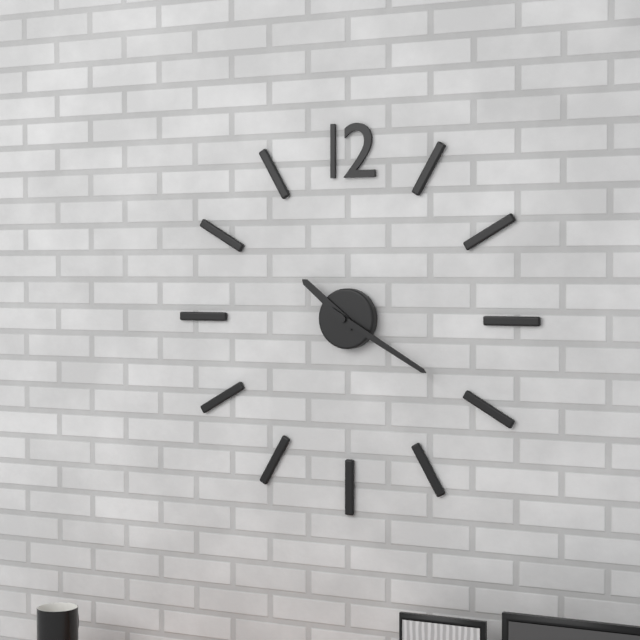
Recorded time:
10,20
